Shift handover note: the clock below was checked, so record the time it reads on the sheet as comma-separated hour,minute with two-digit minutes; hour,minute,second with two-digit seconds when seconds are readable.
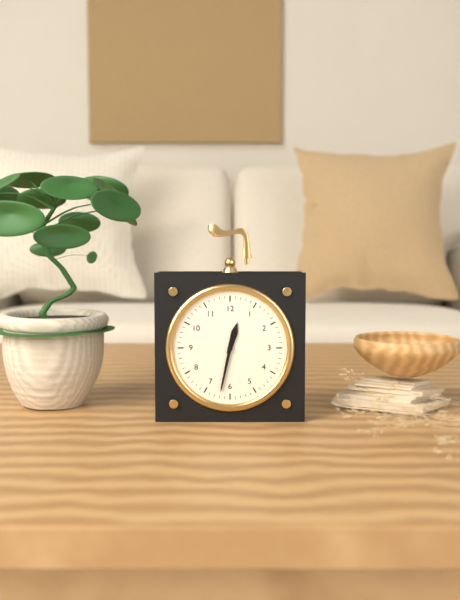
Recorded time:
12,32
